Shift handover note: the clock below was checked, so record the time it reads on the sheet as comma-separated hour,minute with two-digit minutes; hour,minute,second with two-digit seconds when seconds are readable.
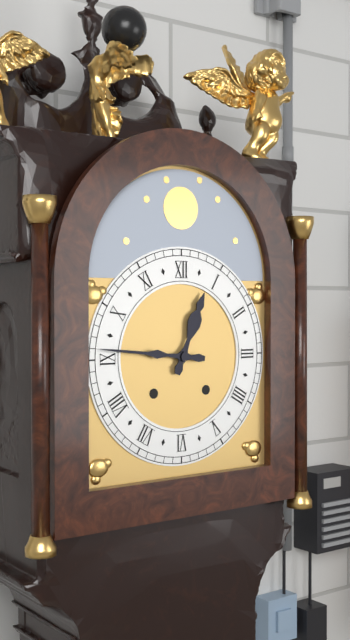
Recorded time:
12,46
